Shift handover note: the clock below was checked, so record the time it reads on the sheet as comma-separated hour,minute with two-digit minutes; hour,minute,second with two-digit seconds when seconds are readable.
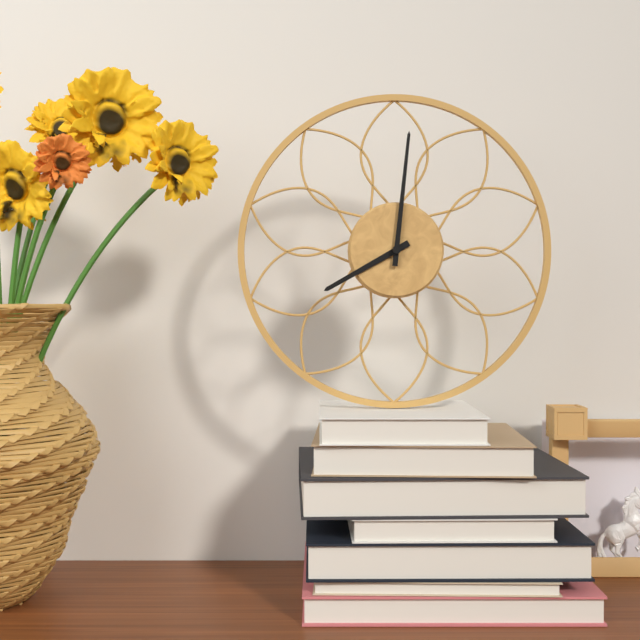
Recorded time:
8,01
